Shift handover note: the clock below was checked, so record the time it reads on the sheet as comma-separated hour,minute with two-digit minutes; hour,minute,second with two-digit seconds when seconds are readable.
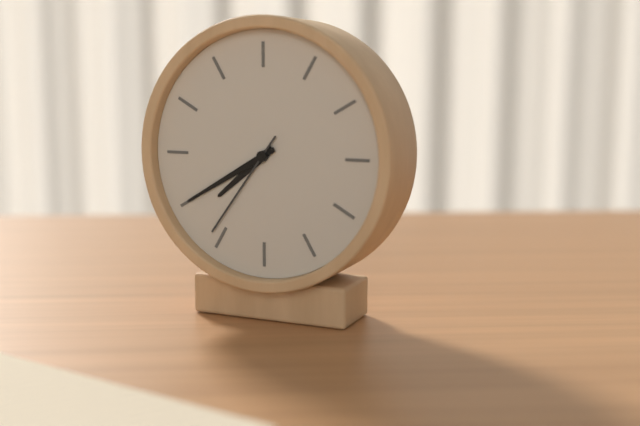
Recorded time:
7,40,36
